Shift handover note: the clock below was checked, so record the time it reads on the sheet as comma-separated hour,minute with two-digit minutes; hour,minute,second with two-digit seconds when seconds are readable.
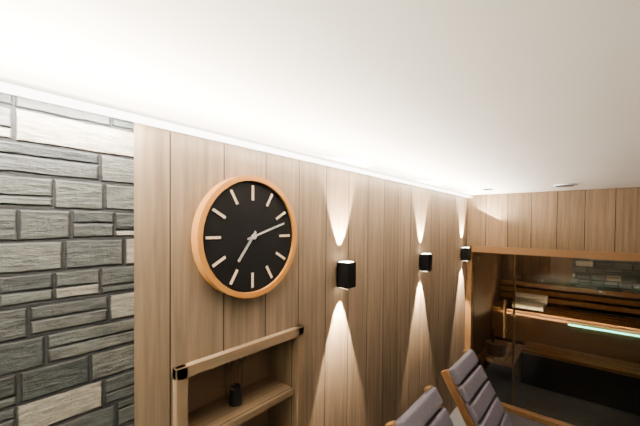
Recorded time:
7,12
